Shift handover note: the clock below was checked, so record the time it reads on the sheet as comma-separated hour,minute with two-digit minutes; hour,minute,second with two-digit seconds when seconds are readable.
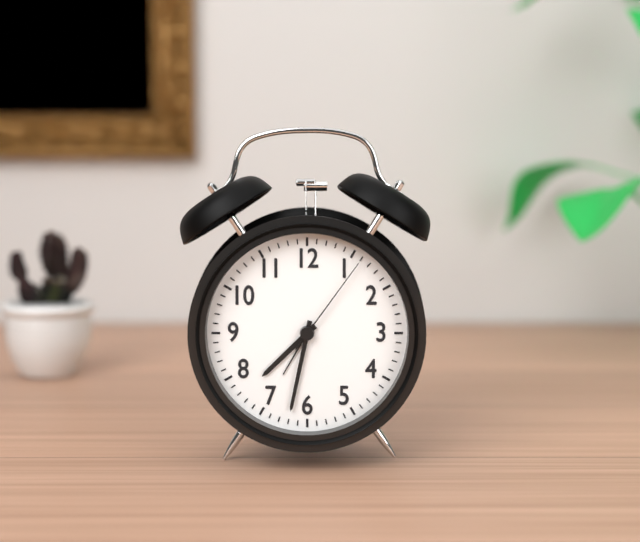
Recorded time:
7,32,06
